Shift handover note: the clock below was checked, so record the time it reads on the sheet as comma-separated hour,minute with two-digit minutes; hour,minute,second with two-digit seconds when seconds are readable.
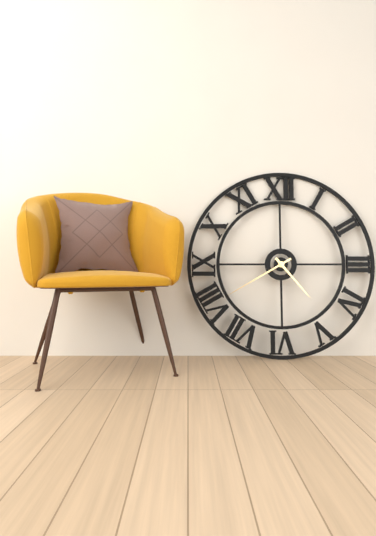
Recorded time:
4,40
